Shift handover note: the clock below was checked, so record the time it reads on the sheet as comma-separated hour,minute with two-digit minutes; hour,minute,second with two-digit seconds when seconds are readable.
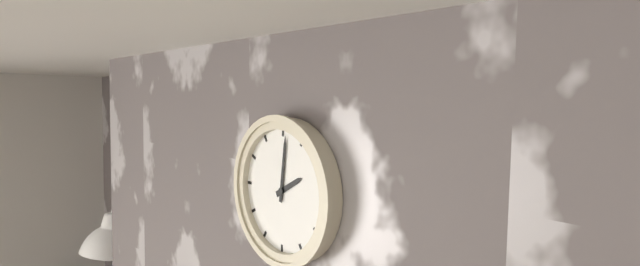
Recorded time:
2,01
